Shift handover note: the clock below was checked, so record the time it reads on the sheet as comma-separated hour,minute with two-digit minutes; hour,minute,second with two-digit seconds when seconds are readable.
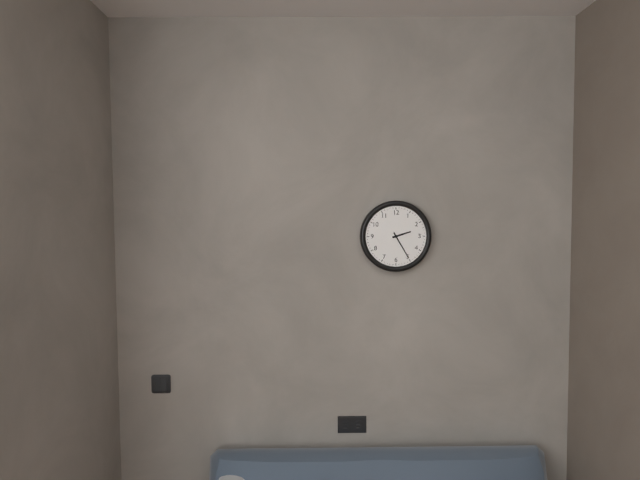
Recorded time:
2,25
